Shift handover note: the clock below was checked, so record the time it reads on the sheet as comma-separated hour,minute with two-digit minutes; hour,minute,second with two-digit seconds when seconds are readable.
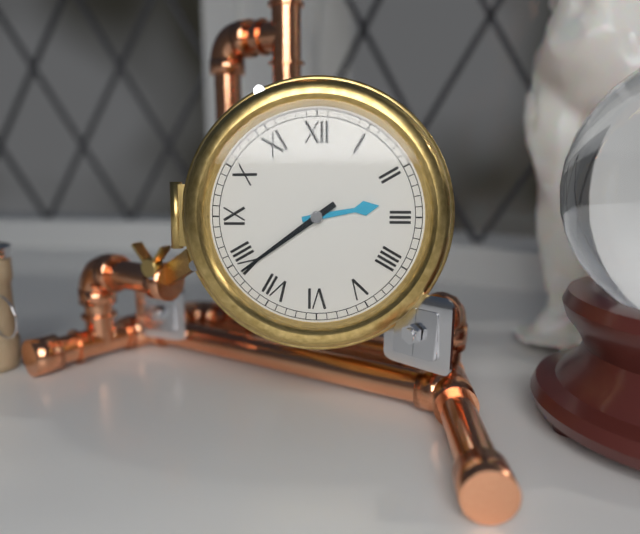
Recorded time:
2,39
